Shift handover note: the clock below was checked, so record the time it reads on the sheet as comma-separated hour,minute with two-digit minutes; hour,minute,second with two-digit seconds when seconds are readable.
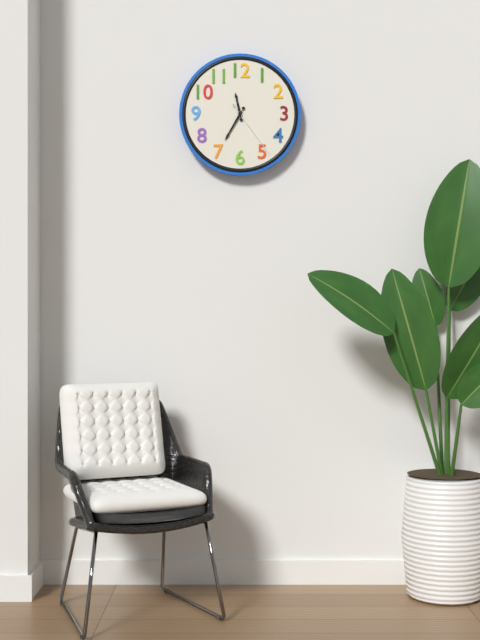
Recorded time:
11,35,24
